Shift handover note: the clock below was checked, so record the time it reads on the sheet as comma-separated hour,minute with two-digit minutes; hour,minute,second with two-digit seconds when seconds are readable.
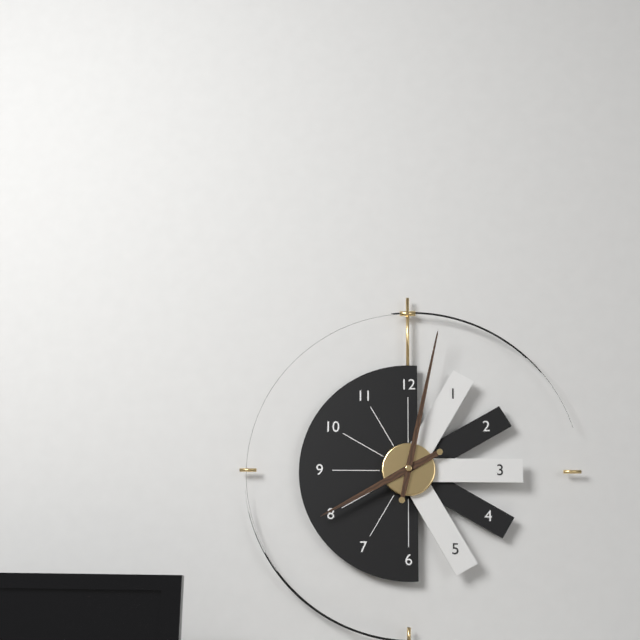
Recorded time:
8,02
